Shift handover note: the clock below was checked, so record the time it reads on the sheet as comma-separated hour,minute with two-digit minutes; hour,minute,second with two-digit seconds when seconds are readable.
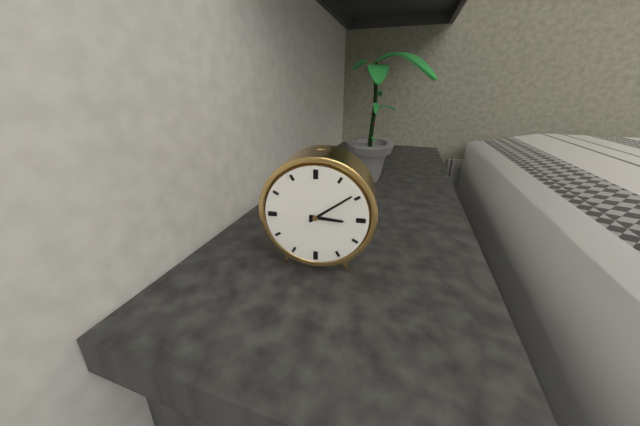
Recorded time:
3,09
